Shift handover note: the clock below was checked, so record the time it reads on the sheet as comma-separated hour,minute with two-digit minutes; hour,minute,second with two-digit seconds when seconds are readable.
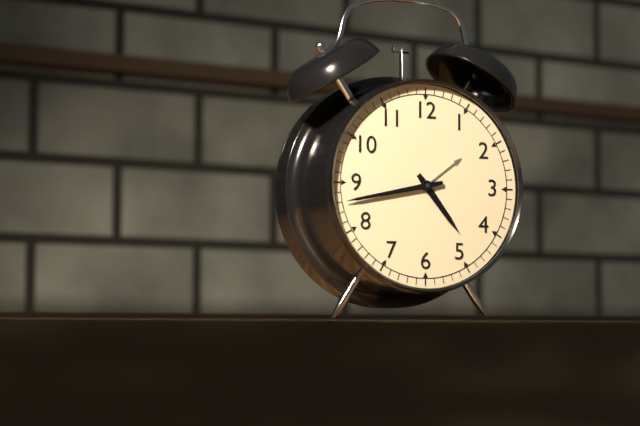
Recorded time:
4,43
